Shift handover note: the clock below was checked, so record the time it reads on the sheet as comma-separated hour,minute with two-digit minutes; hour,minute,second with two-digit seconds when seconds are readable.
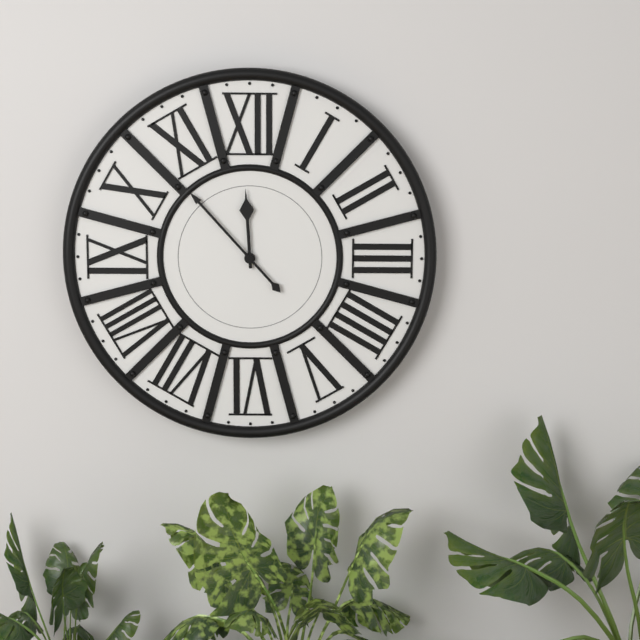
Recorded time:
11,53
